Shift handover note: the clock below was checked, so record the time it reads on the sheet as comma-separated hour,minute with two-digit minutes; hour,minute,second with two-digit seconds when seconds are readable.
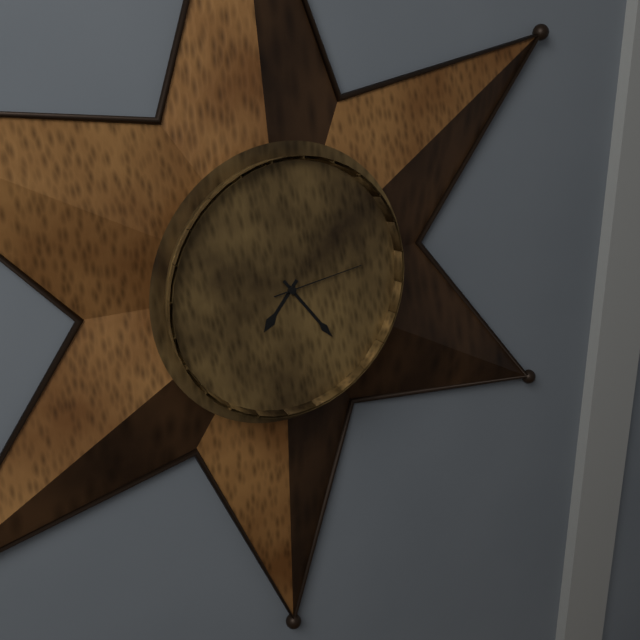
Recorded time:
7,24,14
